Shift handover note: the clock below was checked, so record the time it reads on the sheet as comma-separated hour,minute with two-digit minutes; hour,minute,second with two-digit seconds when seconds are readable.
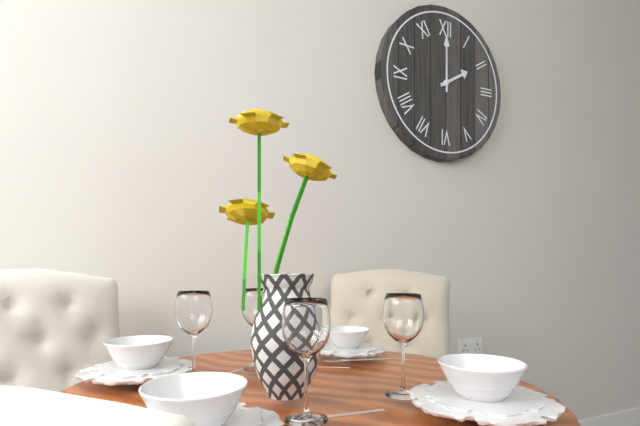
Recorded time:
2,00
